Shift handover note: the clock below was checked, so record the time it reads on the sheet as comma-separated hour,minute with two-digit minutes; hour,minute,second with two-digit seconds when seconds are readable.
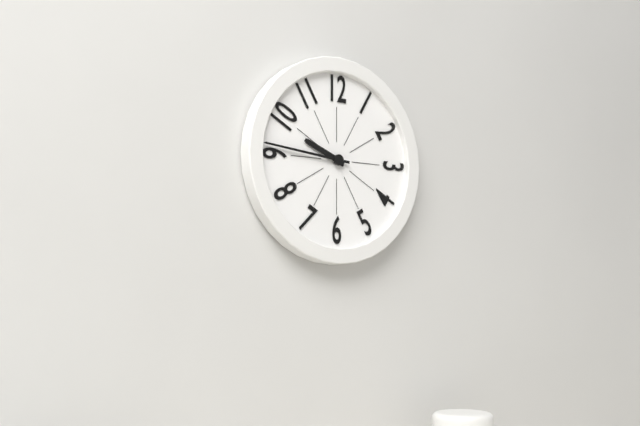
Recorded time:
9,46
